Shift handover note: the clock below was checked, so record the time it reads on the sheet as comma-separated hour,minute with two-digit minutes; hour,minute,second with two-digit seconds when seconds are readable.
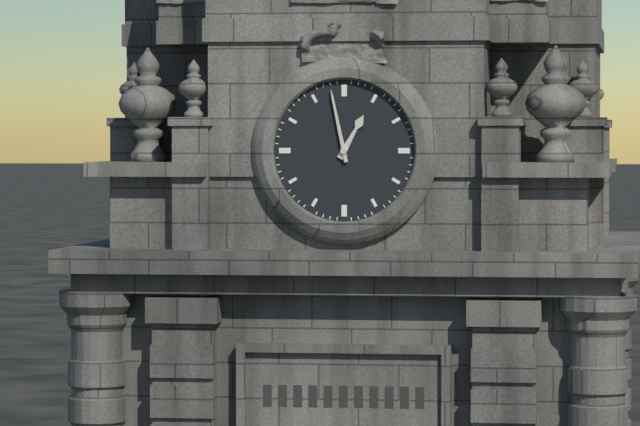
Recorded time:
12,58
